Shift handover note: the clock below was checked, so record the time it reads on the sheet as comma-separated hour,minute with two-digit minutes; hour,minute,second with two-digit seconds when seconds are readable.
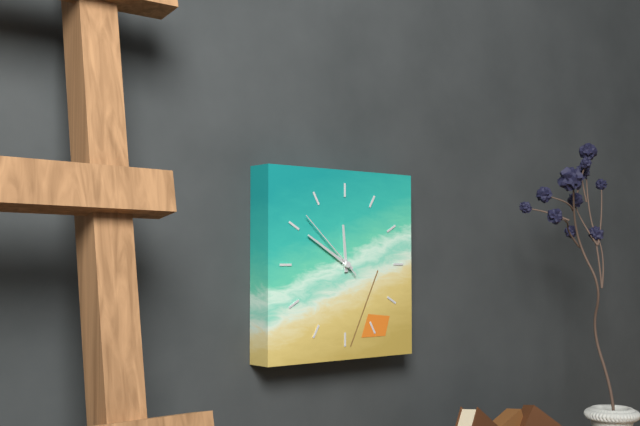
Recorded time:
11,50,52
